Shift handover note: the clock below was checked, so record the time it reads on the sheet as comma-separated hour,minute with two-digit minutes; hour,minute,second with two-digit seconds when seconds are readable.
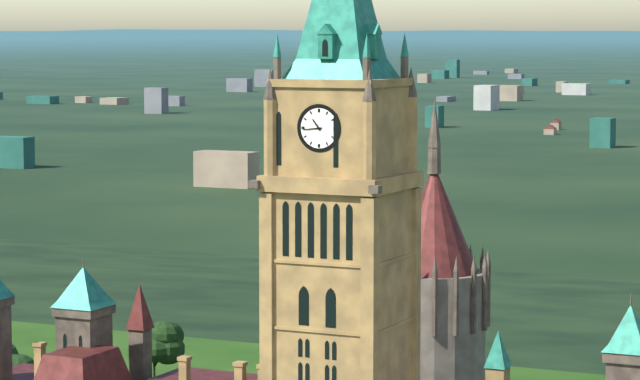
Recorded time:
10,44
